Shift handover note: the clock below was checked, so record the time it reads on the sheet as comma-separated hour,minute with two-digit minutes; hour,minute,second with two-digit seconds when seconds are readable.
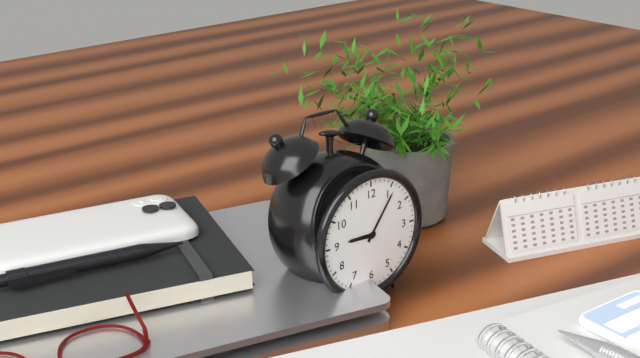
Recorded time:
9,06
